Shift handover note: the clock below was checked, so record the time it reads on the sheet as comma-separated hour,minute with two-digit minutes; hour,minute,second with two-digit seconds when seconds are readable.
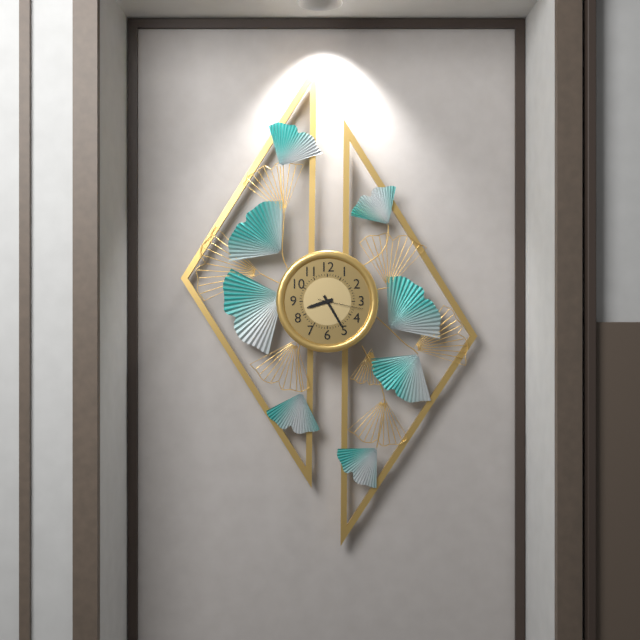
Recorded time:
8,25
